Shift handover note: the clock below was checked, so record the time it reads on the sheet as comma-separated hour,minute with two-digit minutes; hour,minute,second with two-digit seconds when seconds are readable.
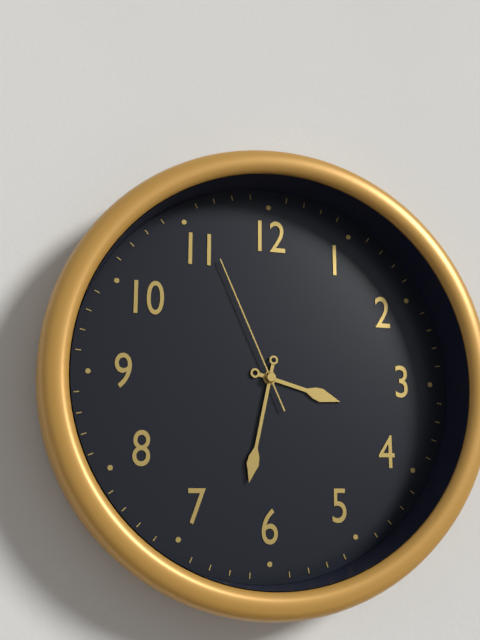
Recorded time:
3,32,56
